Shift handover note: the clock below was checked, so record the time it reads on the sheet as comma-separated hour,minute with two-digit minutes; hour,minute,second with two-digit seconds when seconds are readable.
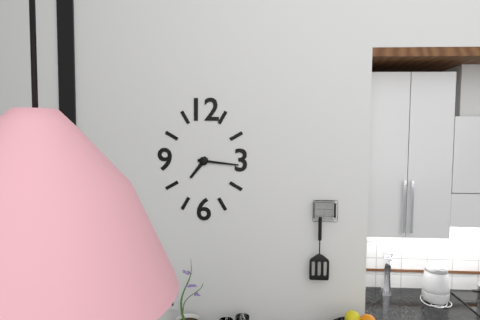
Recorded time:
7,16
